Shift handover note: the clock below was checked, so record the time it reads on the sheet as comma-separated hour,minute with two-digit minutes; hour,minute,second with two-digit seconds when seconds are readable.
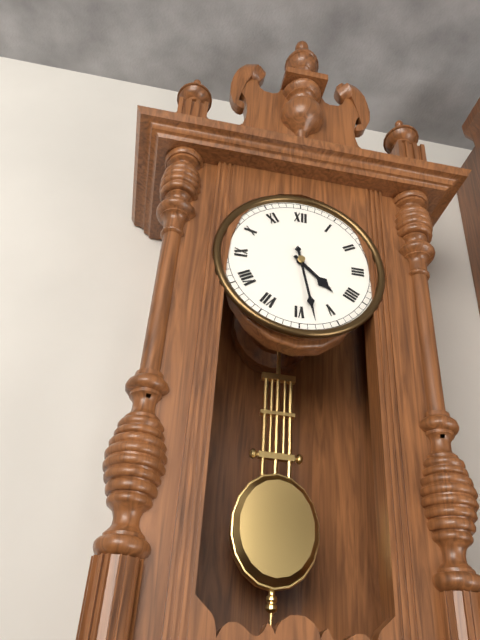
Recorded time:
4,28
